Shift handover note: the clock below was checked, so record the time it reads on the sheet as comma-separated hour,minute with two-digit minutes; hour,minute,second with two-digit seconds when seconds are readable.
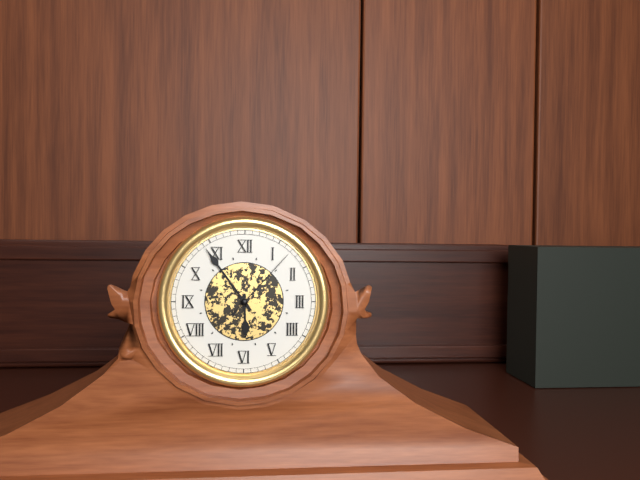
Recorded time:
5,54,07
